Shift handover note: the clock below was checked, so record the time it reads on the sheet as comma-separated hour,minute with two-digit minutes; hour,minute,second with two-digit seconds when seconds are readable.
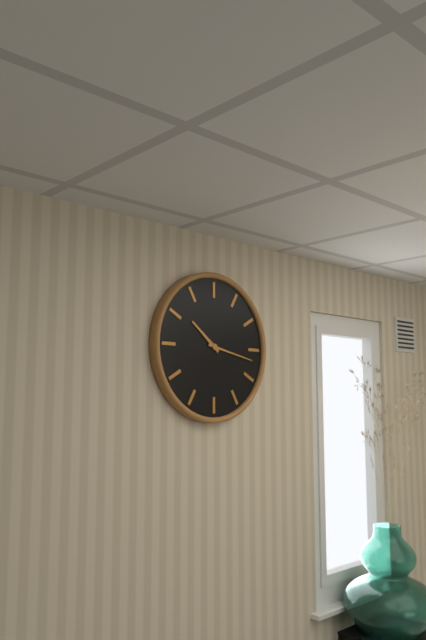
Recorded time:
10,17
